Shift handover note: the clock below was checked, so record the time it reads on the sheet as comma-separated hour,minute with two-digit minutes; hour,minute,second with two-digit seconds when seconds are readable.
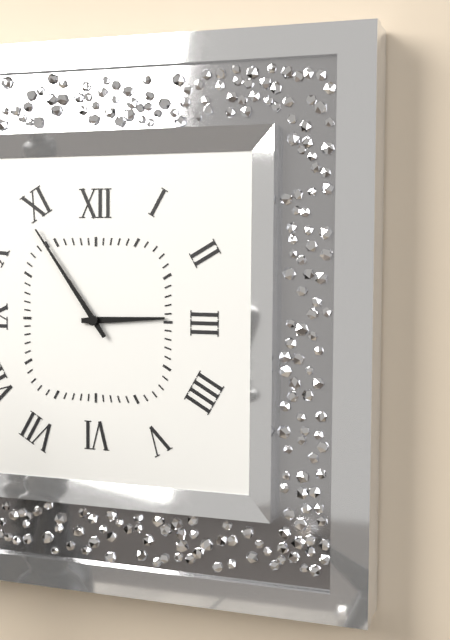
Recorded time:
2,54
